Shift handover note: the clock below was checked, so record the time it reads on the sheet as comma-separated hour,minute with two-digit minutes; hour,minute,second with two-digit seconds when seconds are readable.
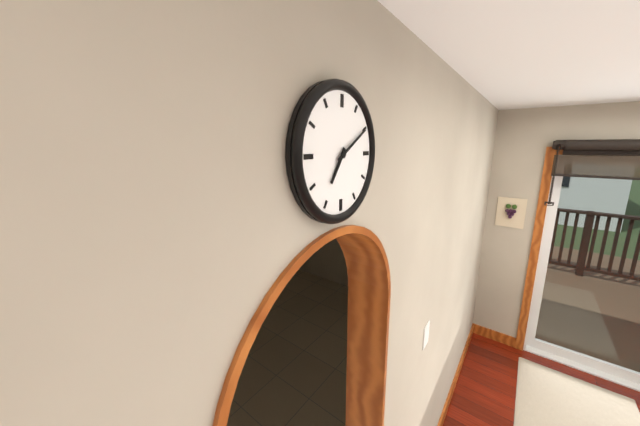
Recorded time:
7,10
